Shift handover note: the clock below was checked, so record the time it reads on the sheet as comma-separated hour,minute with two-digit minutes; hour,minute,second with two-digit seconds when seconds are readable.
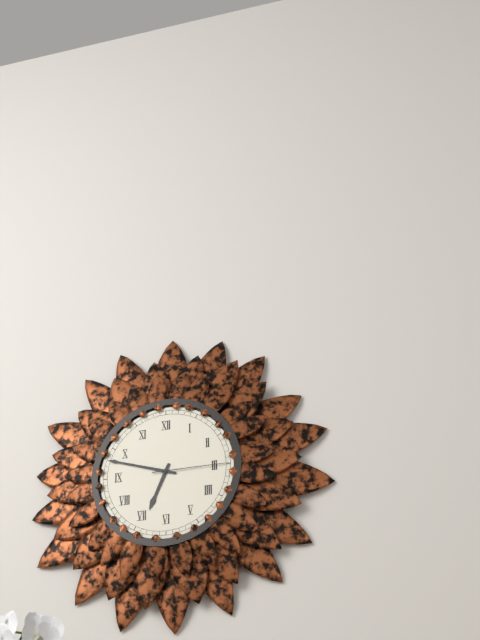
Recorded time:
6,48,15
